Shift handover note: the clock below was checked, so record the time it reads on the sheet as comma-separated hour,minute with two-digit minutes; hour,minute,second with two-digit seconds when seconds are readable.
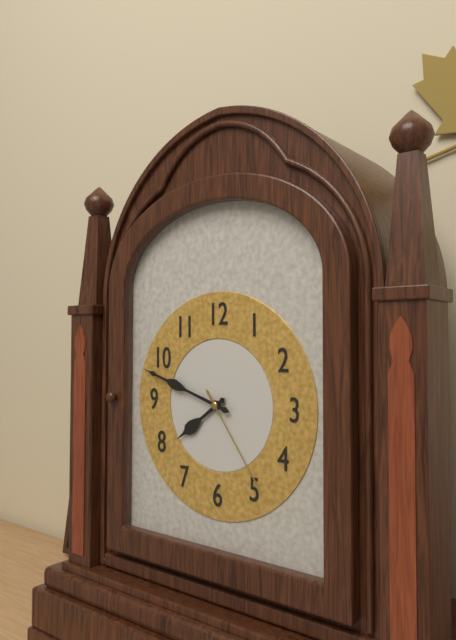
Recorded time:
7,48,24
